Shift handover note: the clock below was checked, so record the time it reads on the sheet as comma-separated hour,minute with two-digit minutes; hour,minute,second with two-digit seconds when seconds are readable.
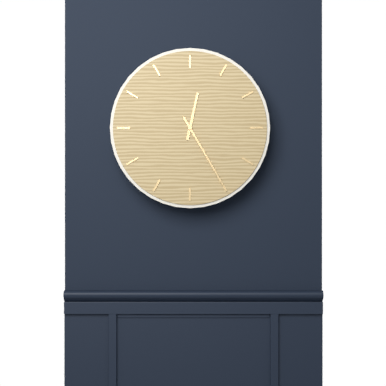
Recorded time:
12,25
